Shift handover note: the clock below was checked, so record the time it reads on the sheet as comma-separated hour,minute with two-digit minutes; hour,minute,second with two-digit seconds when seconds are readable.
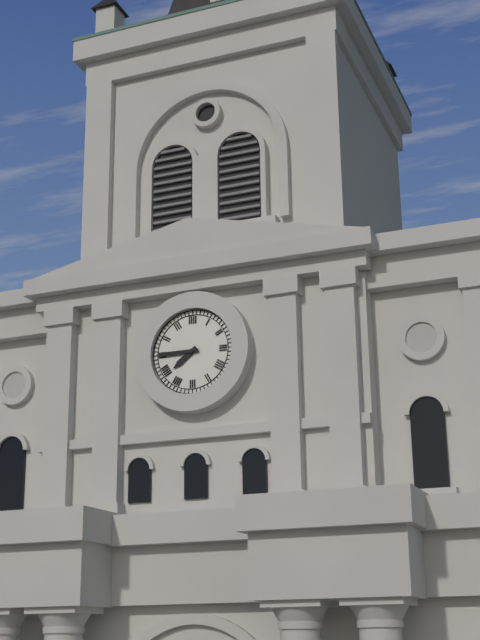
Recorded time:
7,45
